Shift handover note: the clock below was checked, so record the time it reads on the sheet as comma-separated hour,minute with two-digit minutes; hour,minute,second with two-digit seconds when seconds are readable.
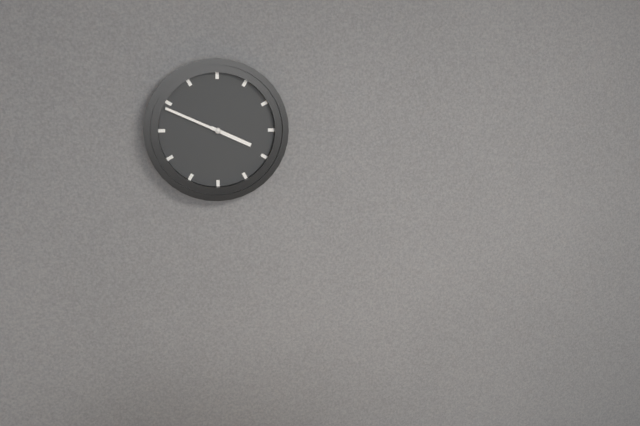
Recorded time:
3,49
